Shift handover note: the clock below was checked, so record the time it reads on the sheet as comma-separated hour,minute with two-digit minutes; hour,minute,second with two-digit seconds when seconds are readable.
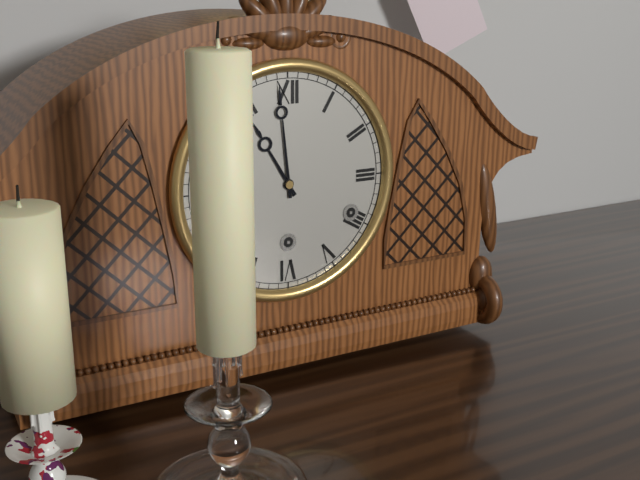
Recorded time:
10,59
